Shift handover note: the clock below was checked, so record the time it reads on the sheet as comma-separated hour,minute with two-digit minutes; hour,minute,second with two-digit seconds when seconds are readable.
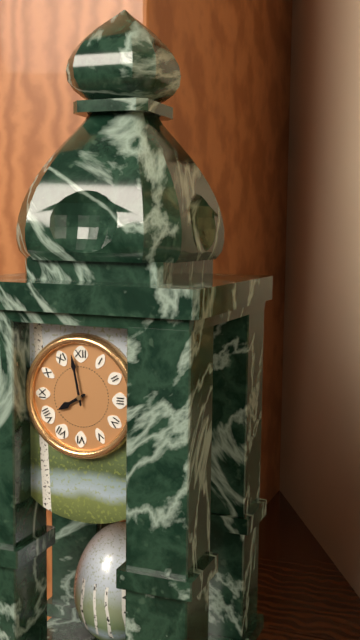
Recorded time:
7,58
